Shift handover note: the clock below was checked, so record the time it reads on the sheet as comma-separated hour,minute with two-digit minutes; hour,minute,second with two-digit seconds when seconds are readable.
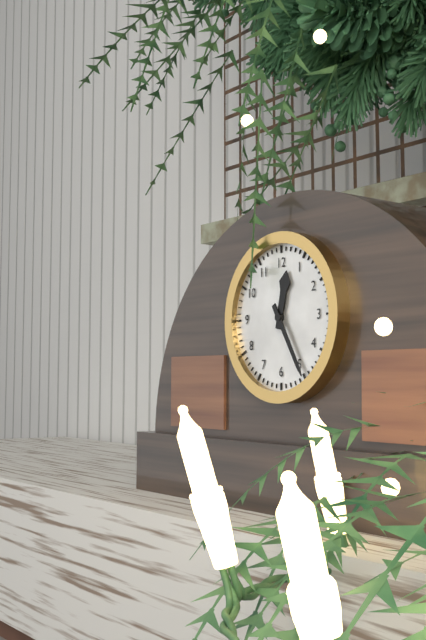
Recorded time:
12,25
